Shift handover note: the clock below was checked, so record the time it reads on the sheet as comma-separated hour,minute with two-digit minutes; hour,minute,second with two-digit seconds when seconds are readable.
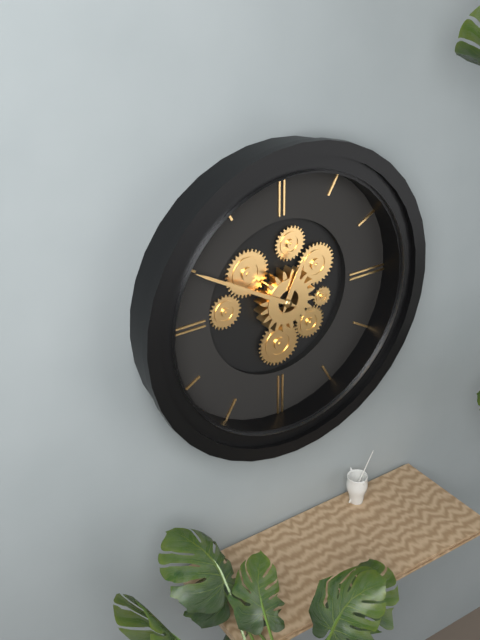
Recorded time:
12,50
